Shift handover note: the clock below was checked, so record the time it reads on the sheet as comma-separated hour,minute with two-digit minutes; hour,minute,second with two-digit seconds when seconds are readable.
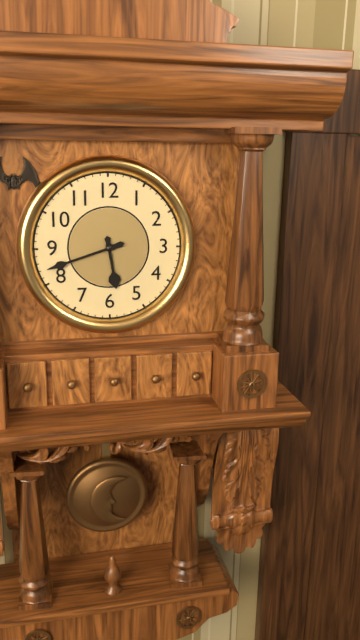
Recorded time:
5,42
